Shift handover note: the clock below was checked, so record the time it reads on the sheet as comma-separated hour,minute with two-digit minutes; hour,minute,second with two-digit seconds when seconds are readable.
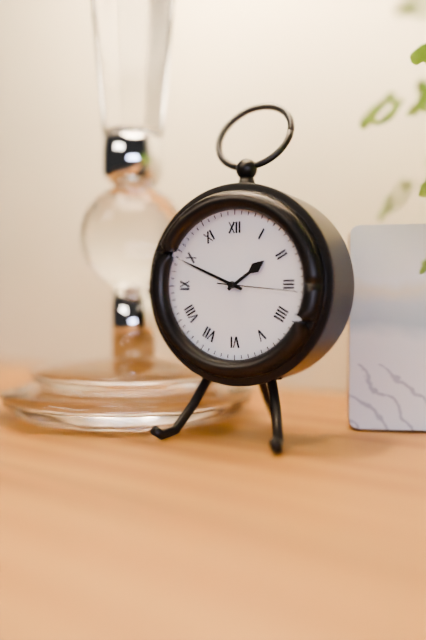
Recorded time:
1,49,16
